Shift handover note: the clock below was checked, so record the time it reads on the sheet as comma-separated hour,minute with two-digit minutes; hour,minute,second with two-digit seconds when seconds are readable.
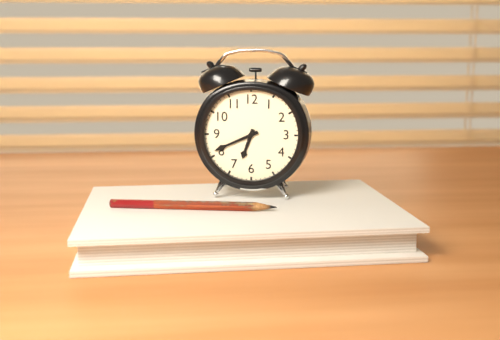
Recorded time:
6,41
